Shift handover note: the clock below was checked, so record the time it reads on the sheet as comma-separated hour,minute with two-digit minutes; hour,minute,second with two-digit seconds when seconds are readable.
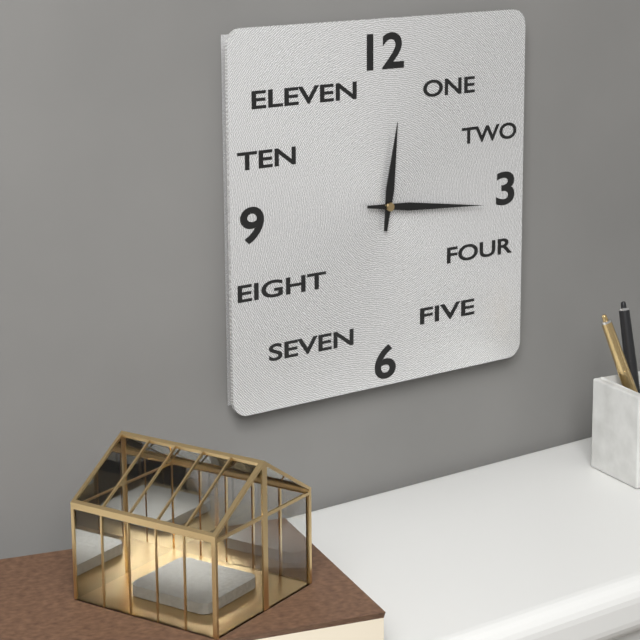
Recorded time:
12,16
